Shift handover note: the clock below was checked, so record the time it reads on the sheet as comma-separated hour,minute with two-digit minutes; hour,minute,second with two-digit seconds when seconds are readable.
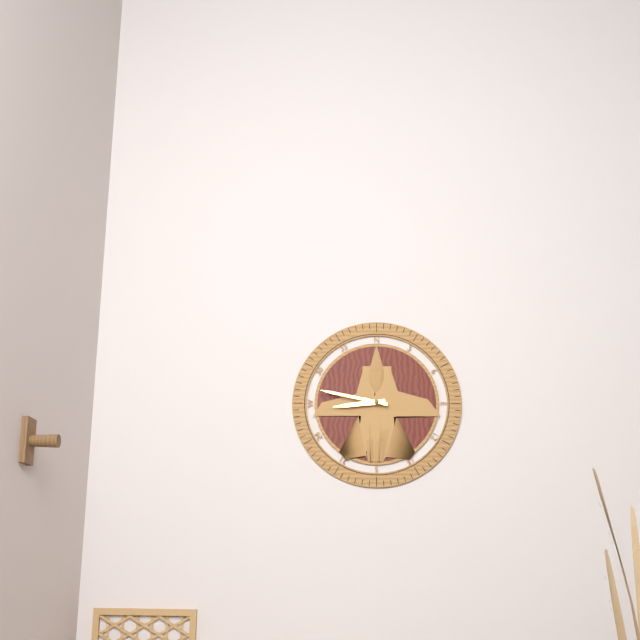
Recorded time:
8,47
